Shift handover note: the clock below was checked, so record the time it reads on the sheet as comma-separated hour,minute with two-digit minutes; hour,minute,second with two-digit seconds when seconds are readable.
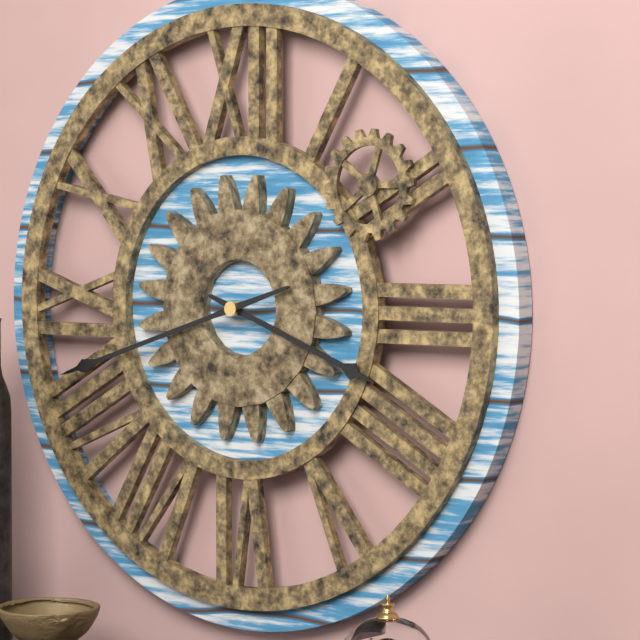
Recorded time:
3,42
